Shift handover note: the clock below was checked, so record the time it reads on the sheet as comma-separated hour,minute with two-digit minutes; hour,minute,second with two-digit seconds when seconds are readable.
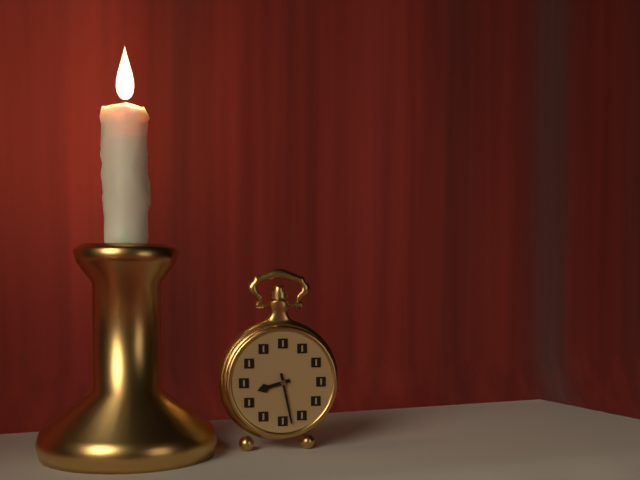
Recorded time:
8,28
